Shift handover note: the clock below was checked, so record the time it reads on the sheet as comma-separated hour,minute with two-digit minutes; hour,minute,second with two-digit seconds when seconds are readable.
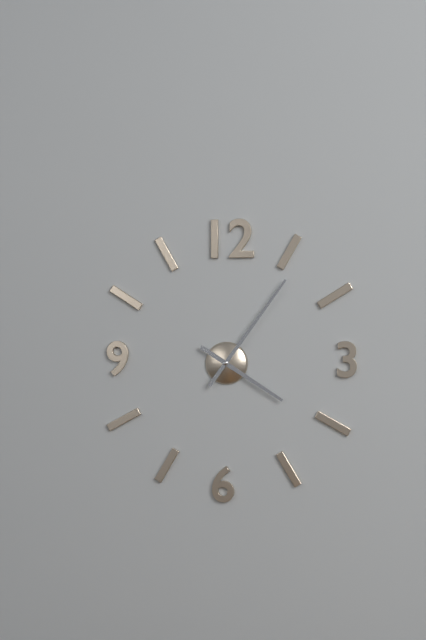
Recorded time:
4,06
